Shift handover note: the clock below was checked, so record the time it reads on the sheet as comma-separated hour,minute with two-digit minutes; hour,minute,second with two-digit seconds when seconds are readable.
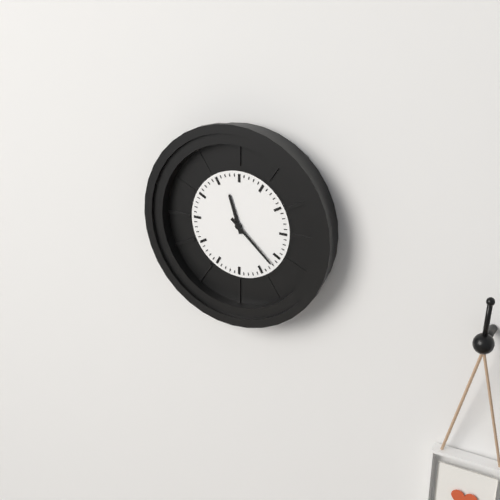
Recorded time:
11,22
